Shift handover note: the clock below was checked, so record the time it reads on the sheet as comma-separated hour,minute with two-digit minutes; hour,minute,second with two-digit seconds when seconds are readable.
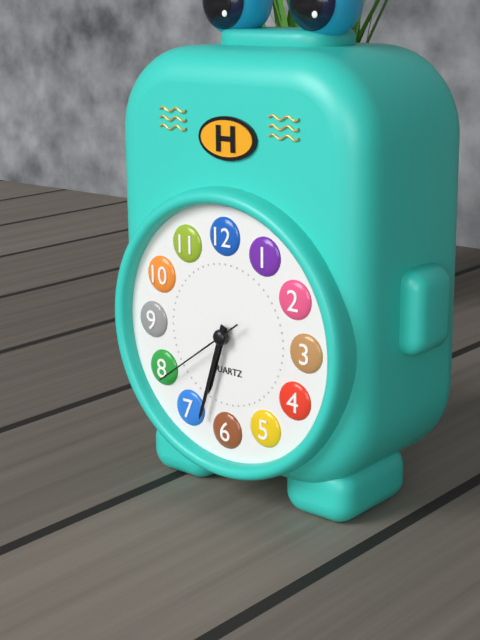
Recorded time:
6,33,39
